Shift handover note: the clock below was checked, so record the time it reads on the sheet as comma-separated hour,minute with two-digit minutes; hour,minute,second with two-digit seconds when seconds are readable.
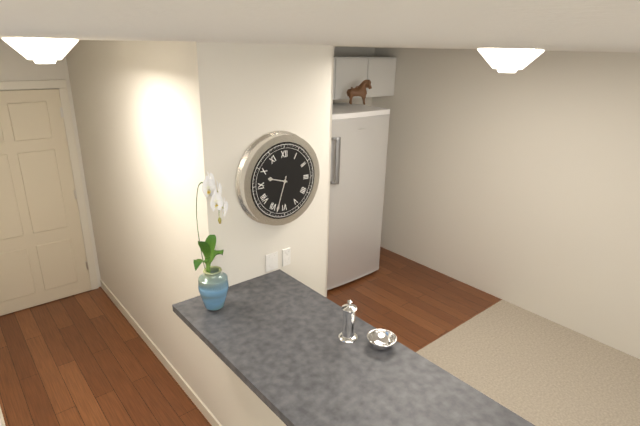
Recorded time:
9,33
